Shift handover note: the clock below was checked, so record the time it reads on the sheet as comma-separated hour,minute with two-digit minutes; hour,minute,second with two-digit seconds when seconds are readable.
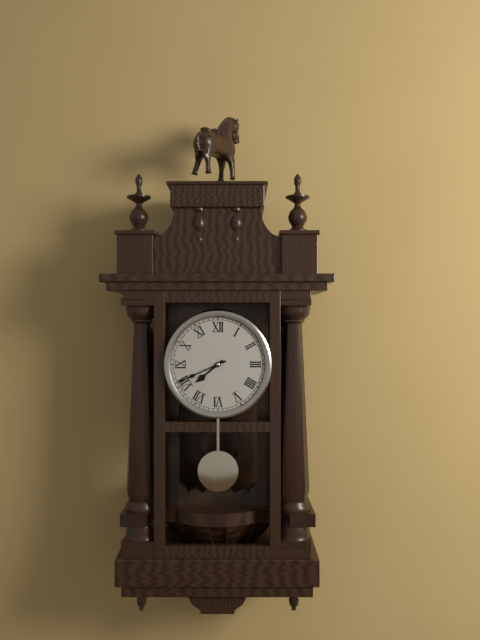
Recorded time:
7,41
